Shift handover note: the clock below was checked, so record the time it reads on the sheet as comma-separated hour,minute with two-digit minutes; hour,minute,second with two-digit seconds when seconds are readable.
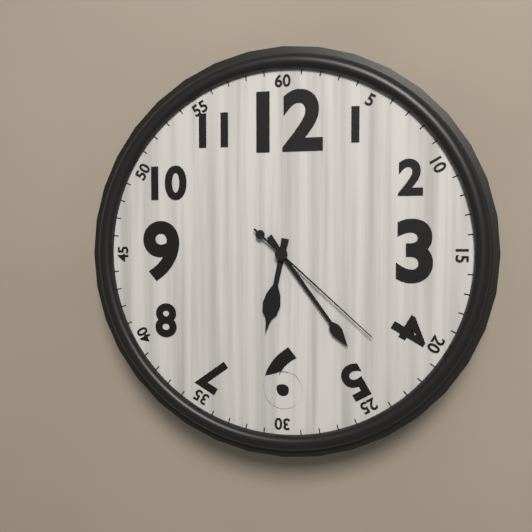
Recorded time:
6,24,22
